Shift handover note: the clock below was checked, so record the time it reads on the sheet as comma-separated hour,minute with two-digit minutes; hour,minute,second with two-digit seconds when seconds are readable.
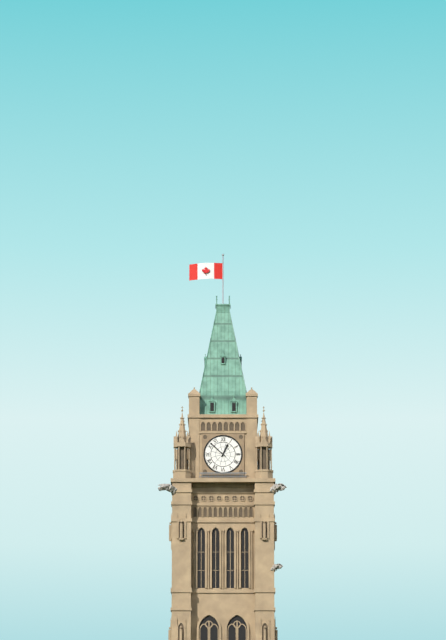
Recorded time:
12,52
